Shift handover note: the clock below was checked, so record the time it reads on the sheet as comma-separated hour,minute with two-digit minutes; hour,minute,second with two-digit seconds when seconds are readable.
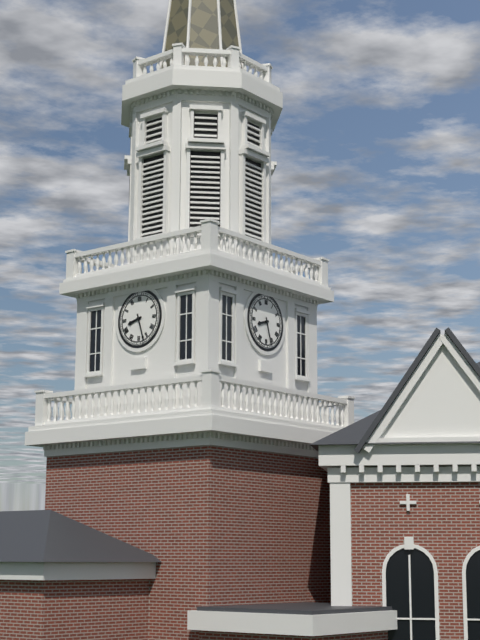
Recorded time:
8,27
